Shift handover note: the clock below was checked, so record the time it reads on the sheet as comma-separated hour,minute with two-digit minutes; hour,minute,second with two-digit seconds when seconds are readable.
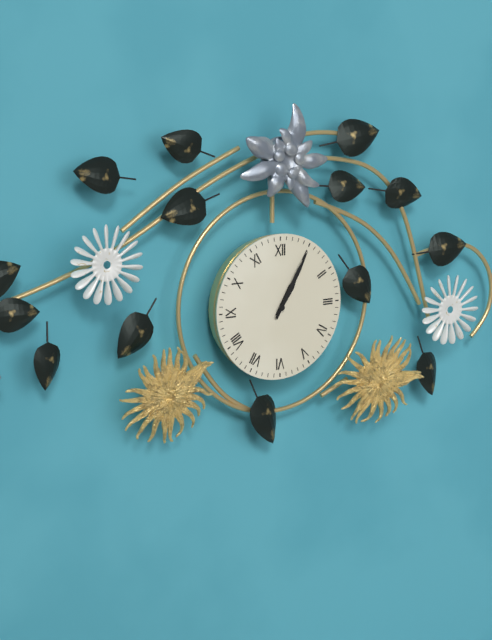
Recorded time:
1,05
